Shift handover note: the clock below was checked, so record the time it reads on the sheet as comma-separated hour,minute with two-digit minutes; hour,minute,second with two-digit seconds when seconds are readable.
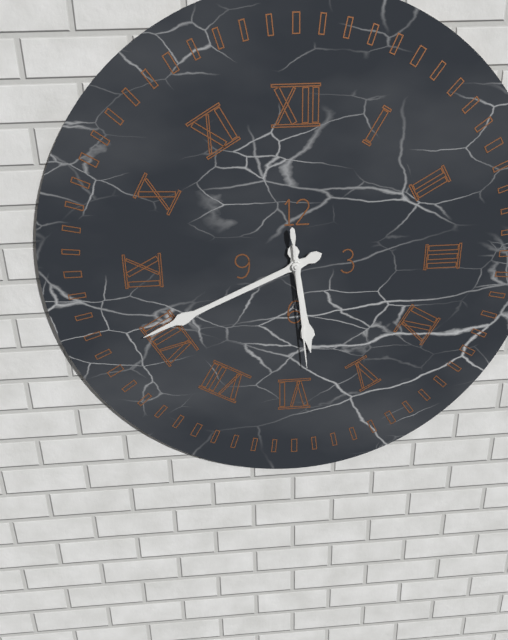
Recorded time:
5,41,29
